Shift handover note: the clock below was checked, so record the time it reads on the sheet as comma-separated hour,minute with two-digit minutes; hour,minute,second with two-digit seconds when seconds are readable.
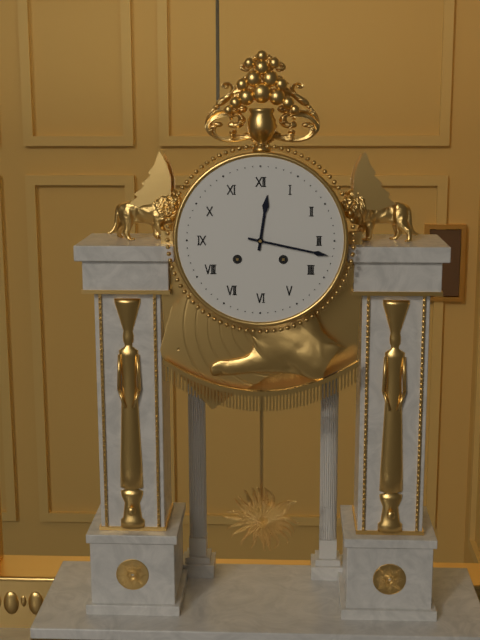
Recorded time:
12,17
